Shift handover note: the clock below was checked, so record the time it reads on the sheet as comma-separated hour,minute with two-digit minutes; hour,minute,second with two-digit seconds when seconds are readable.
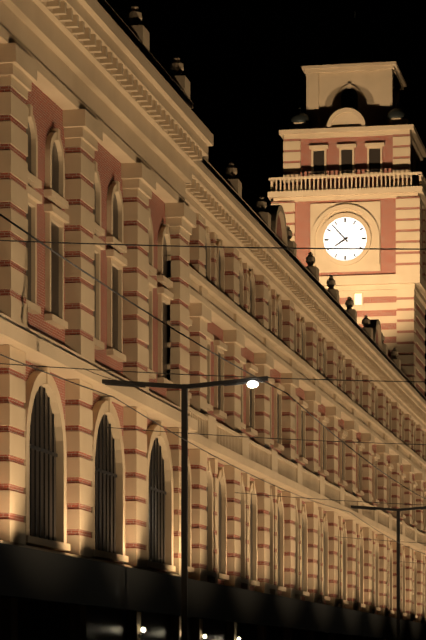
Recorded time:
7,53
